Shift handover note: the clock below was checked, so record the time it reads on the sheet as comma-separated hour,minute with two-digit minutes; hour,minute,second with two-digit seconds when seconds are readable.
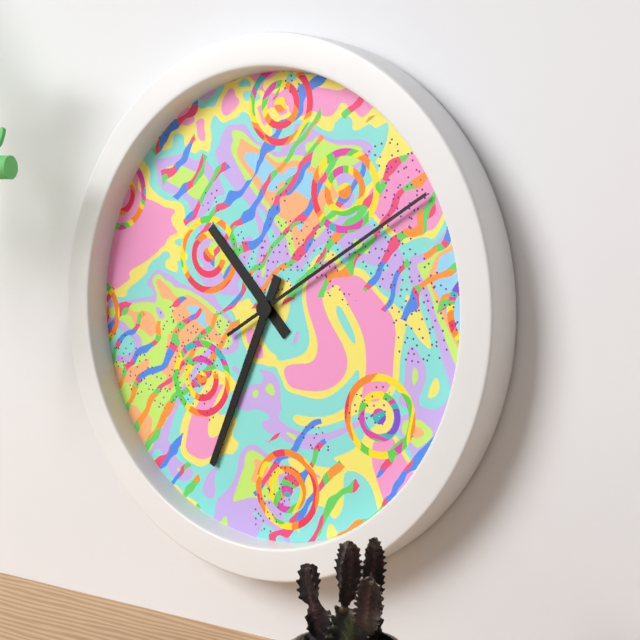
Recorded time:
10,34,10
